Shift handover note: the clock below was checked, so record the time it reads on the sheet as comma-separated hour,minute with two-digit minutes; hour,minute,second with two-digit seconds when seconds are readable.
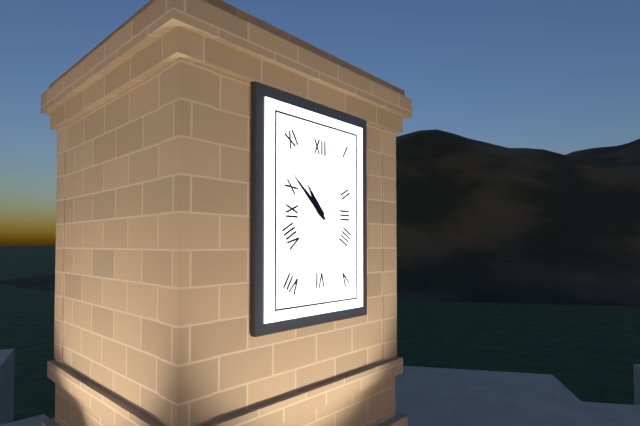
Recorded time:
10,52
